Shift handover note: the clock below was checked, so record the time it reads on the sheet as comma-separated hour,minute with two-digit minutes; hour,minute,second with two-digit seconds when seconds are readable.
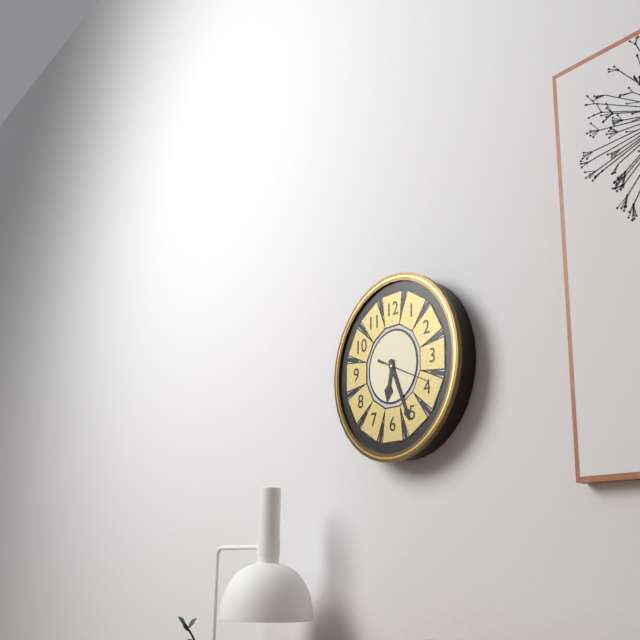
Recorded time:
6,26
